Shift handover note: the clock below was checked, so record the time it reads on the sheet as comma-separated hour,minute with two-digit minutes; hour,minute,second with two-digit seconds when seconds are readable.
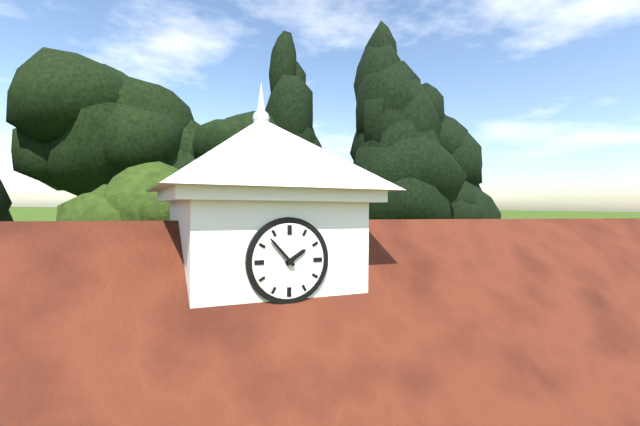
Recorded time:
1,53
